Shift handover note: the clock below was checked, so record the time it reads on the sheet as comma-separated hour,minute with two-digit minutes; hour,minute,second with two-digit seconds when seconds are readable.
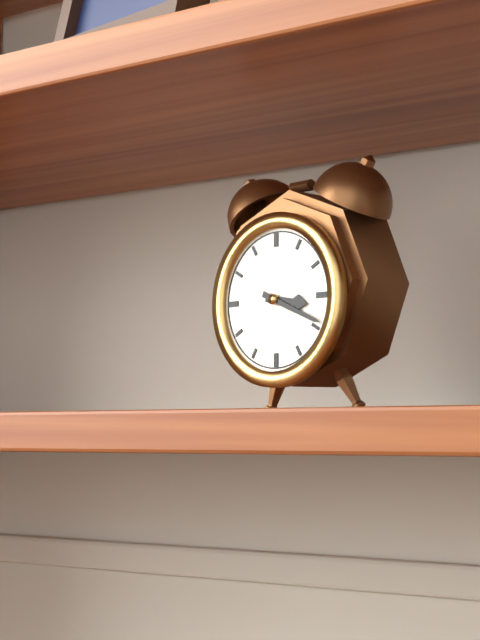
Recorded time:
3,19
